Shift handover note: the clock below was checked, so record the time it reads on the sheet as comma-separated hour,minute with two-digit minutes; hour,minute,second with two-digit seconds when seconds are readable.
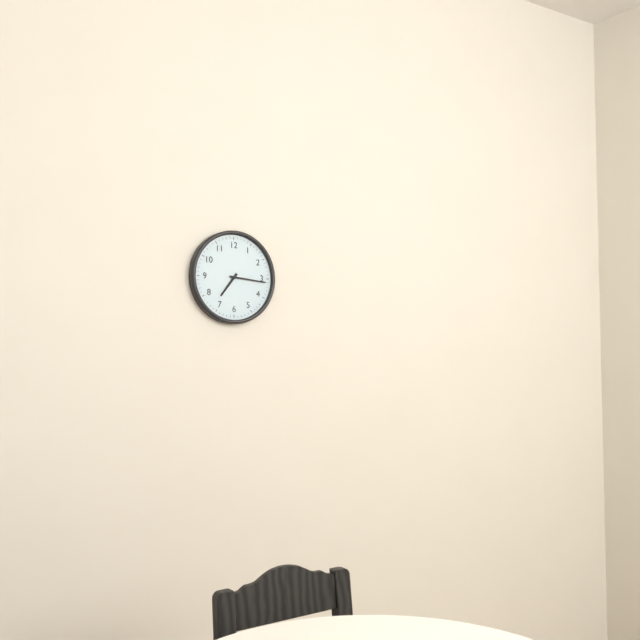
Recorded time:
7,16
